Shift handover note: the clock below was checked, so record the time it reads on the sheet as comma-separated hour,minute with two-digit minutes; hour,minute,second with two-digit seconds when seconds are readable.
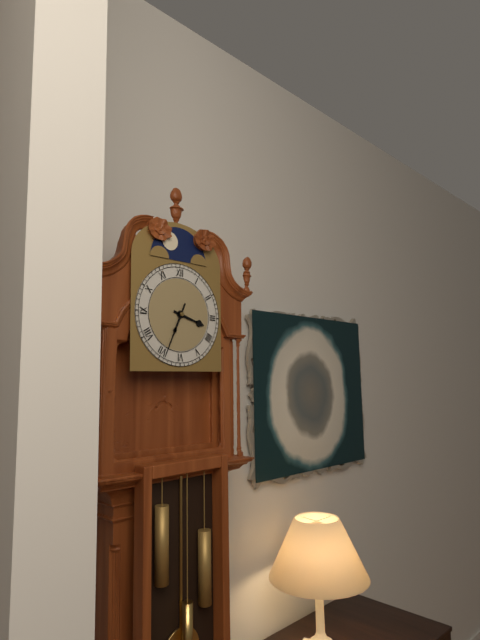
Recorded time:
3,34
